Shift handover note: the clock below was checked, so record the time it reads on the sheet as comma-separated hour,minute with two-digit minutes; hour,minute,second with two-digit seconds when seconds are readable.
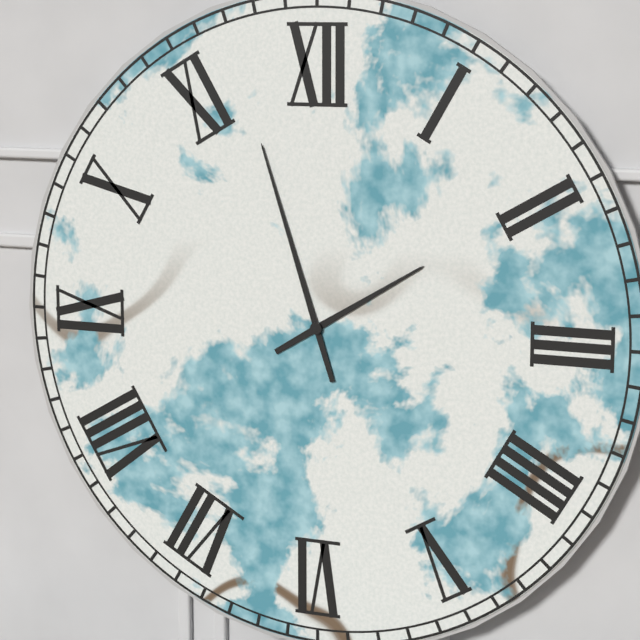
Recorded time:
1,57
